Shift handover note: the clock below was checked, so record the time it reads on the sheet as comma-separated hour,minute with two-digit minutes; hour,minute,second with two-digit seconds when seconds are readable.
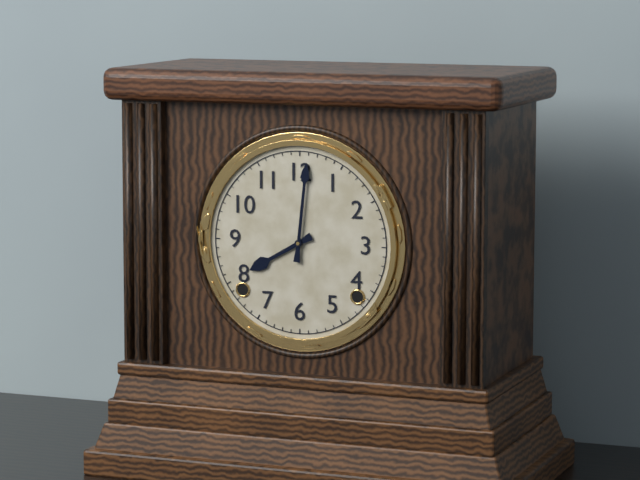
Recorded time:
8,01
